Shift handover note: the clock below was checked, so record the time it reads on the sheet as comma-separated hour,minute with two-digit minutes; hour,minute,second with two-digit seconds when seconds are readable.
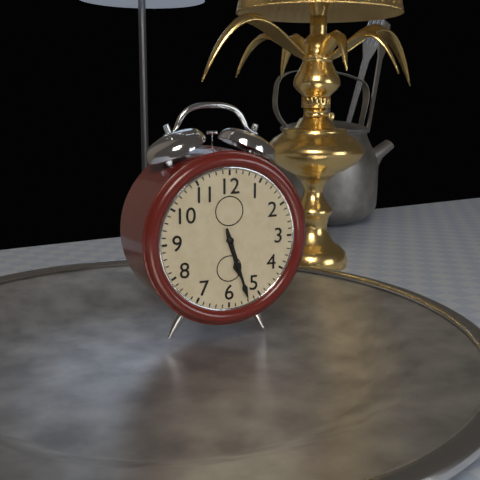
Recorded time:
5,27
